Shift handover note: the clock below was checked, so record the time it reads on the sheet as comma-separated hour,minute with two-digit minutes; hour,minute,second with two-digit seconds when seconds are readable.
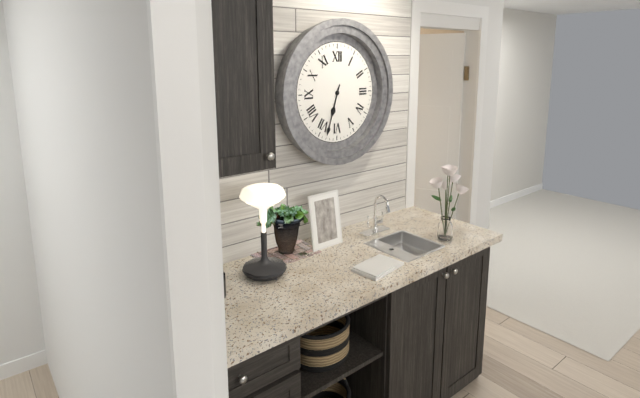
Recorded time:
6,33
